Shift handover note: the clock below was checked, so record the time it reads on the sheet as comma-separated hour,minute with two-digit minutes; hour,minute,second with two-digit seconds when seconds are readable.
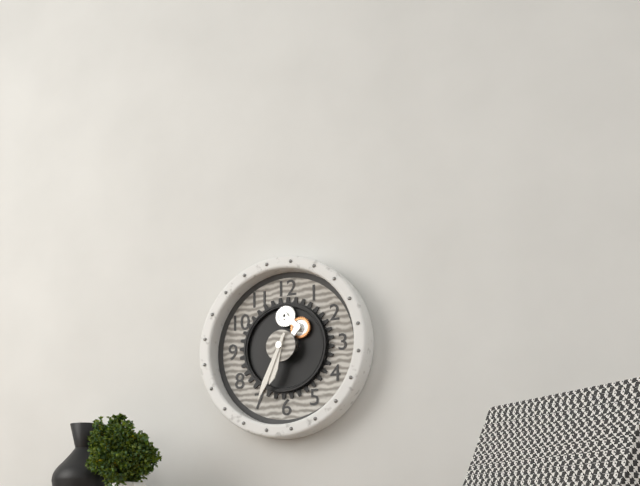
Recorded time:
6,34
